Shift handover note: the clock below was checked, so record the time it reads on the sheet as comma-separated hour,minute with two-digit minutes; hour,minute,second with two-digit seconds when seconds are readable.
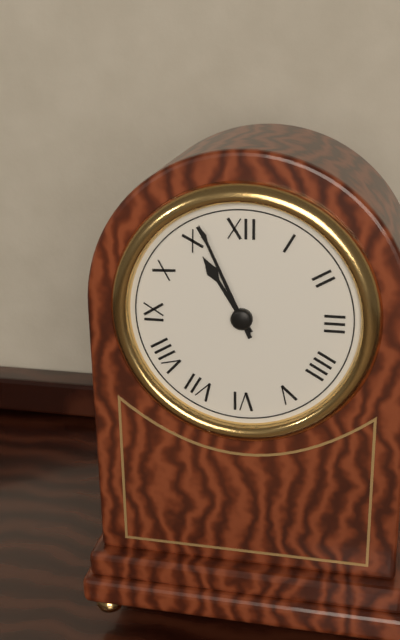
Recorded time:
10,56
